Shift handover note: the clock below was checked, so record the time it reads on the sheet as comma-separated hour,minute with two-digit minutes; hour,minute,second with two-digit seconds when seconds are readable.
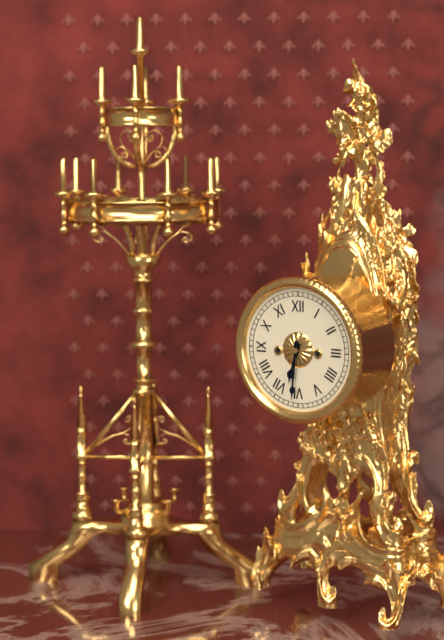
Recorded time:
6,31
